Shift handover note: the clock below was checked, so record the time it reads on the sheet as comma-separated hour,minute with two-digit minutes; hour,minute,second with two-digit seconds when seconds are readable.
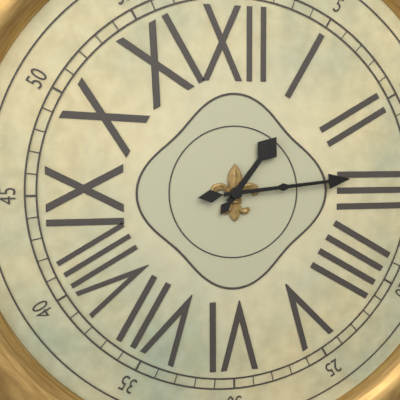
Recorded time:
1,14
